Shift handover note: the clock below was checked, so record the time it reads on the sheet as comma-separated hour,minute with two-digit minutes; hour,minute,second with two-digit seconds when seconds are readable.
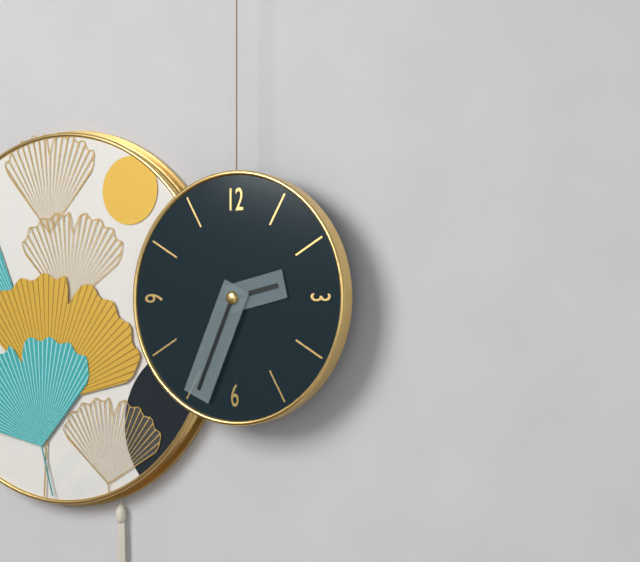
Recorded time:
2,34
